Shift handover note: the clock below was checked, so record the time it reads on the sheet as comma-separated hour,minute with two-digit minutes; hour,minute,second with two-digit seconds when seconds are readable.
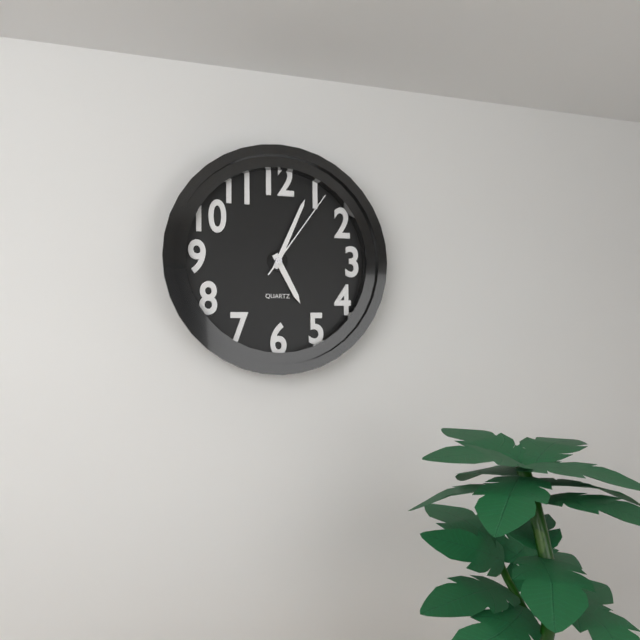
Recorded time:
5,04,06
